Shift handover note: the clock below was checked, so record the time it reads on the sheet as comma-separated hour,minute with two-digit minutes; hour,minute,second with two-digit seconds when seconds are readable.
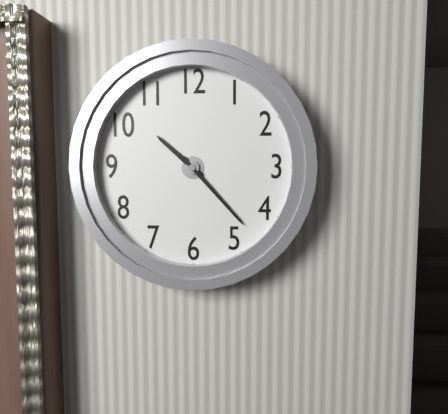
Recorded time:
10,23
